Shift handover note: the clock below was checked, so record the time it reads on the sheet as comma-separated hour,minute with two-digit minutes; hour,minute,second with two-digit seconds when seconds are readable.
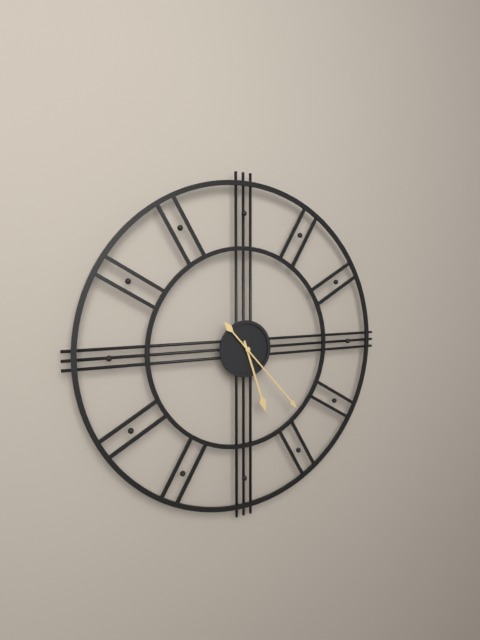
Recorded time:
5,23
